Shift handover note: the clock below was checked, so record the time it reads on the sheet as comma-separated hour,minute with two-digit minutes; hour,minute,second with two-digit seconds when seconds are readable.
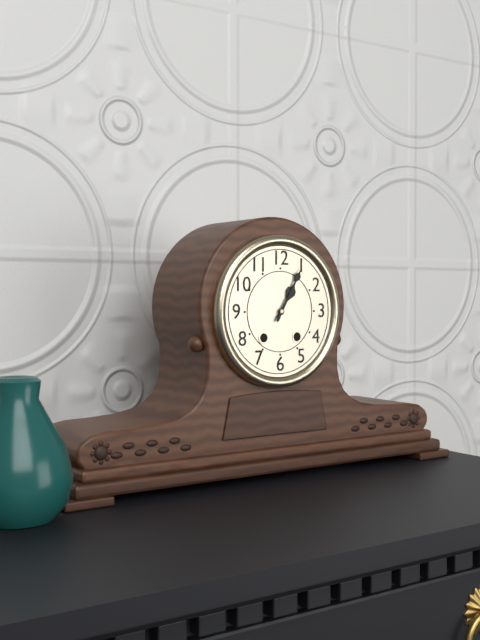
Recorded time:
1,05
